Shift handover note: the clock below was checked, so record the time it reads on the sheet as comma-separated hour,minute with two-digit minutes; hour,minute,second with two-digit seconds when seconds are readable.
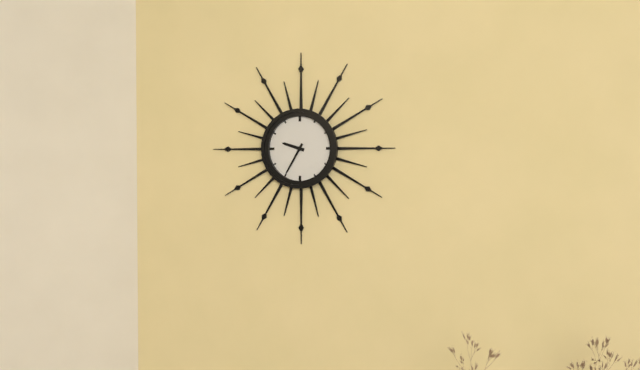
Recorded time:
9,35
